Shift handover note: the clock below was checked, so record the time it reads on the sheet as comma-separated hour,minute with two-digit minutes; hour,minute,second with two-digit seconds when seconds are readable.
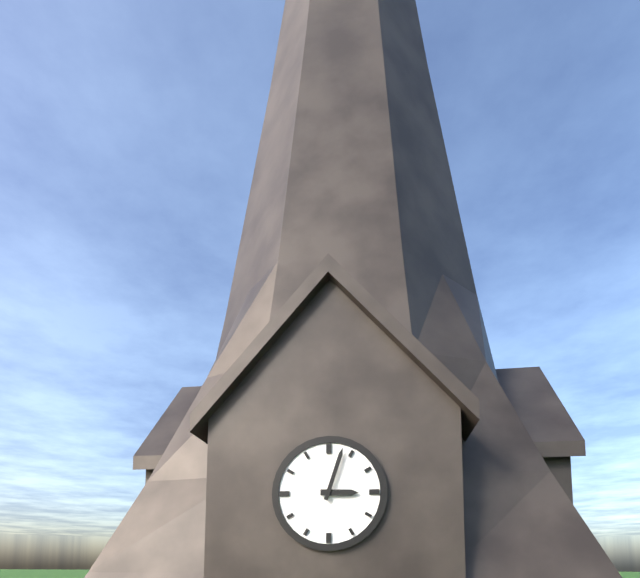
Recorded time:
3,03
